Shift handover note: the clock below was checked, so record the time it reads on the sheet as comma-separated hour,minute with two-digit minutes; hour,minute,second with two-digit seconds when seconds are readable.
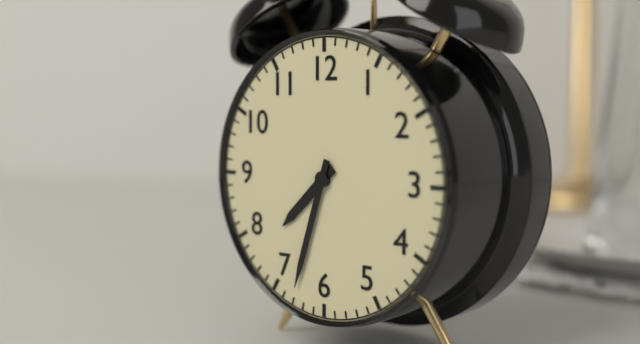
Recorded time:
7,33
